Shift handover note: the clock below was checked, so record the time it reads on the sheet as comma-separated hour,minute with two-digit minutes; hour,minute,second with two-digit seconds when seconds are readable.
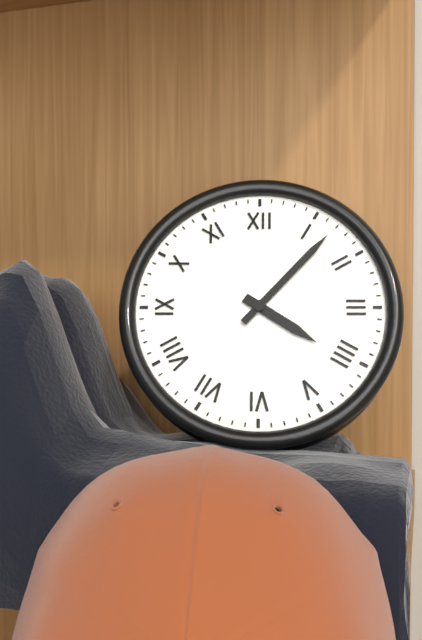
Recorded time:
4,07
